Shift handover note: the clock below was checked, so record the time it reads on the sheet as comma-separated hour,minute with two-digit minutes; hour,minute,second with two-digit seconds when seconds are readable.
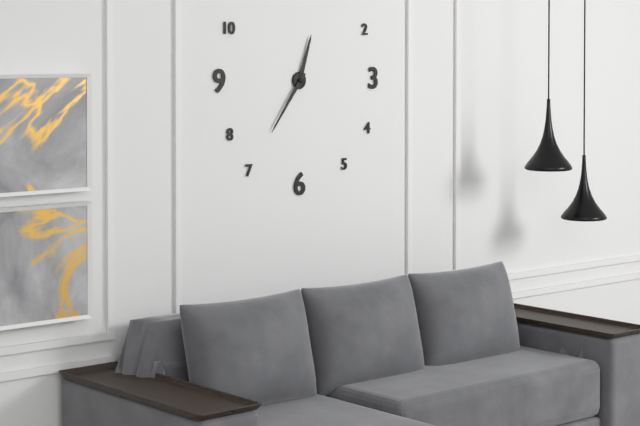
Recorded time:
12,36
